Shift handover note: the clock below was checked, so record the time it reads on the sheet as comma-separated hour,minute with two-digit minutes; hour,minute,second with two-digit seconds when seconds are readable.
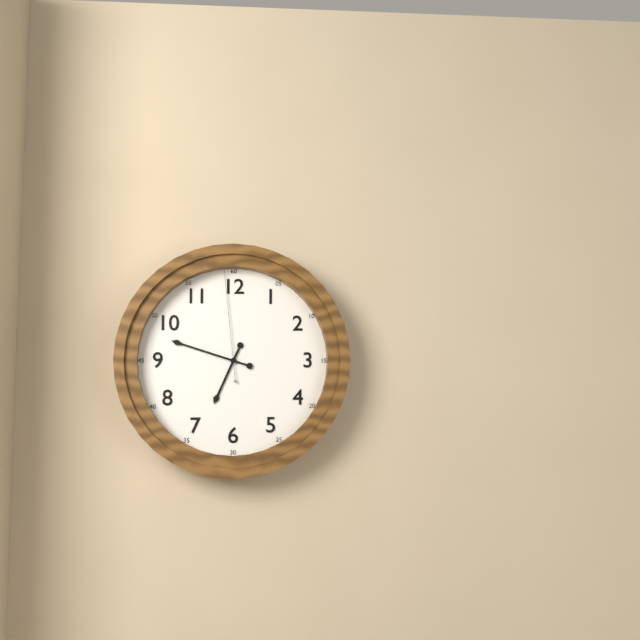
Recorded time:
6,48,59
